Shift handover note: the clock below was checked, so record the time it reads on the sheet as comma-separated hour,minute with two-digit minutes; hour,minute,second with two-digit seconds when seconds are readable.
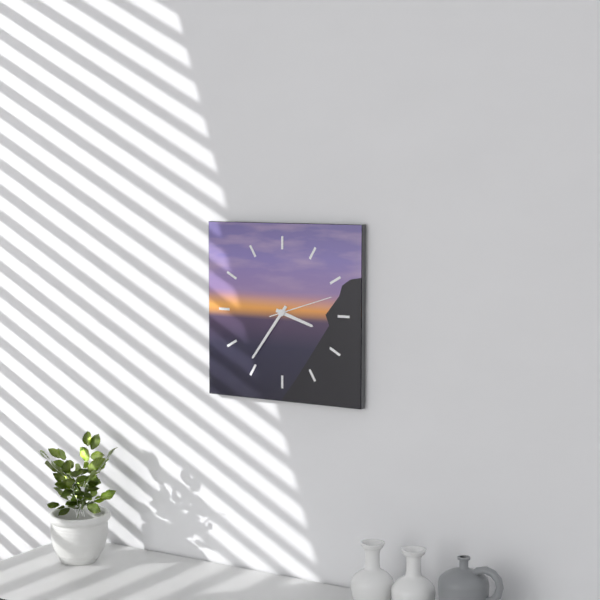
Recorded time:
3,36,12
